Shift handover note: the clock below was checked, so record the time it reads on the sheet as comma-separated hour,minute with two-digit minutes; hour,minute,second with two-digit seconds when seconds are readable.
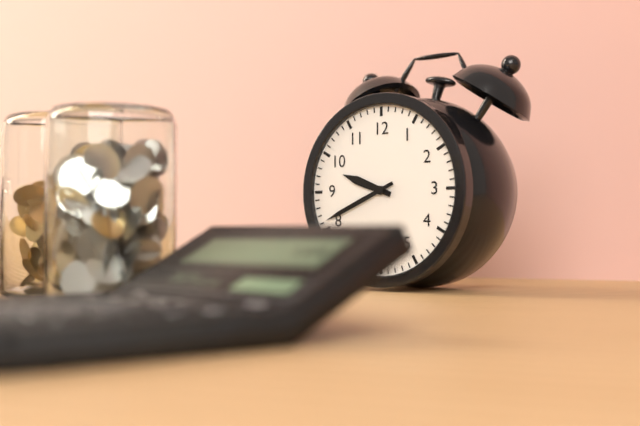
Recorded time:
9,41
